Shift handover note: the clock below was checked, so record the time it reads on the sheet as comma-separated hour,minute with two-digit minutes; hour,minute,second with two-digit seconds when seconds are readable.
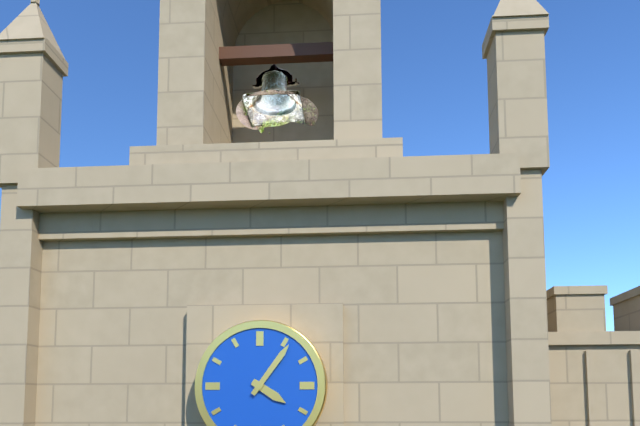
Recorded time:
4,06
